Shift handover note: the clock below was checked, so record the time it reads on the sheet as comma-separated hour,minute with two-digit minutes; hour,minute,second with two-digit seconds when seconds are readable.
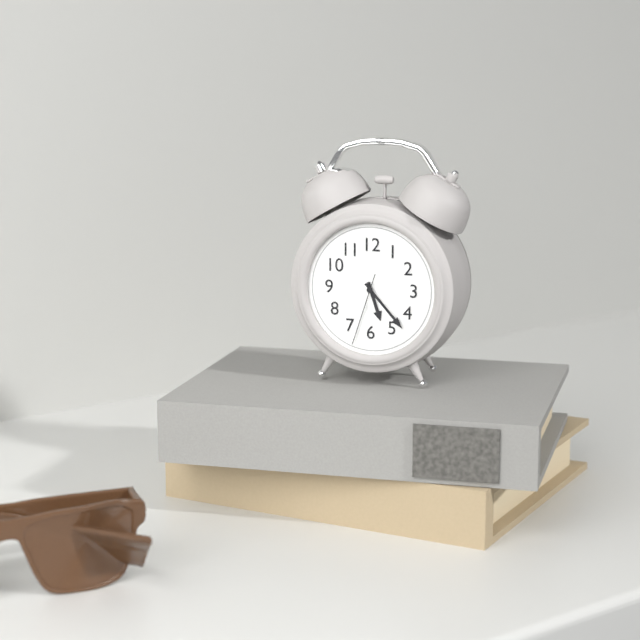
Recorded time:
5,23,33
